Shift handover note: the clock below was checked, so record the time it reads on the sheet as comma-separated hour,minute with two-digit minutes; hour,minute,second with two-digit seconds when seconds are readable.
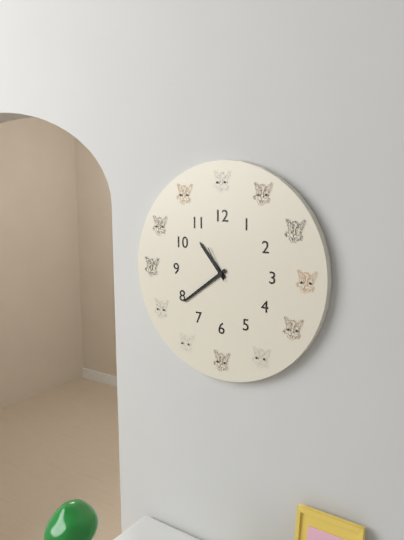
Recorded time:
10,39
